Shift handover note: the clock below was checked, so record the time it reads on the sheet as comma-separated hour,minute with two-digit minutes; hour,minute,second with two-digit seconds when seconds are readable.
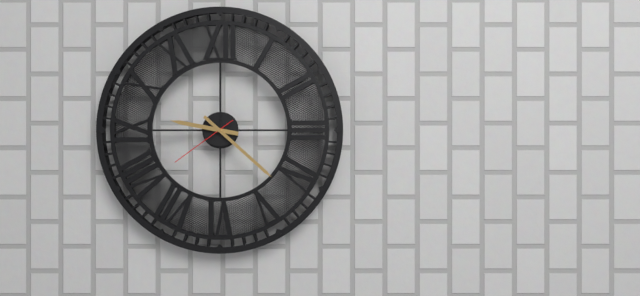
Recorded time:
9,22,39
